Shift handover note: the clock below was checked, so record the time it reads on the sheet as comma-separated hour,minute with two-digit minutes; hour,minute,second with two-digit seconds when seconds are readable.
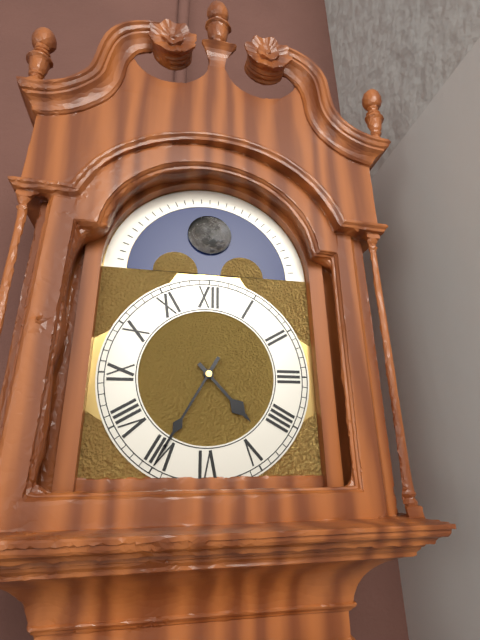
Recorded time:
4,35
